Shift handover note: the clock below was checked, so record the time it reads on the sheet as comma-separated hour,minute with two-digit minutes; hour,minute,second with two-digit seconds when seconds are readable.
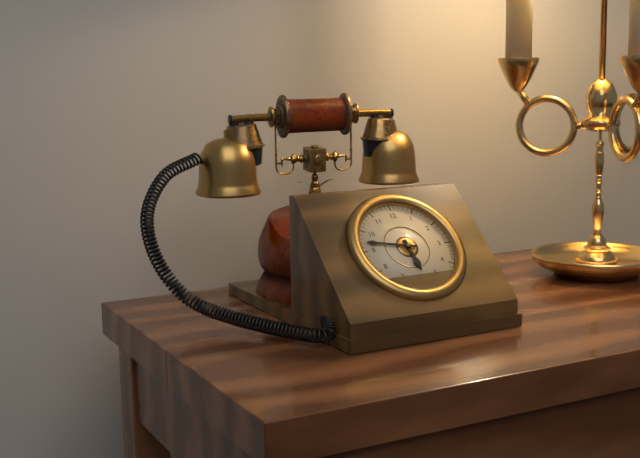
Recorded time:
5,47
